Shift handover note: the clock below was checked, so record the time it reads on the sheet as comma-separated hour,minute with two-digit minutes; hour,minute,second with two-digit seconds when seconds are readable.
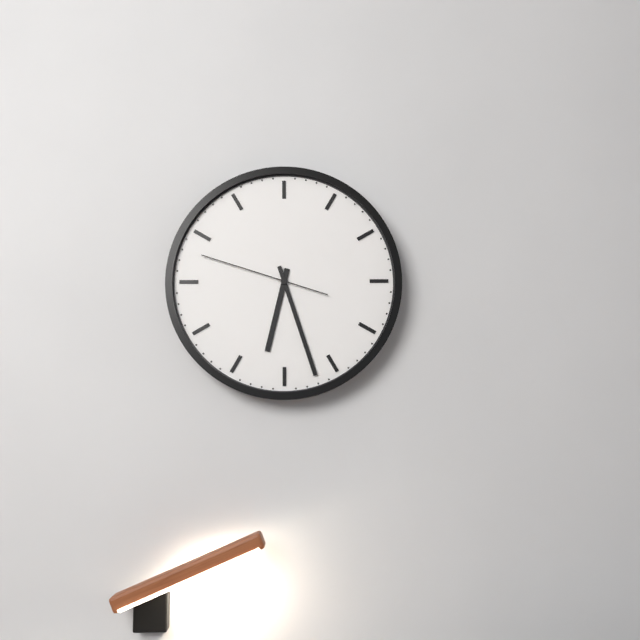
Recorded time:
6,27,48
